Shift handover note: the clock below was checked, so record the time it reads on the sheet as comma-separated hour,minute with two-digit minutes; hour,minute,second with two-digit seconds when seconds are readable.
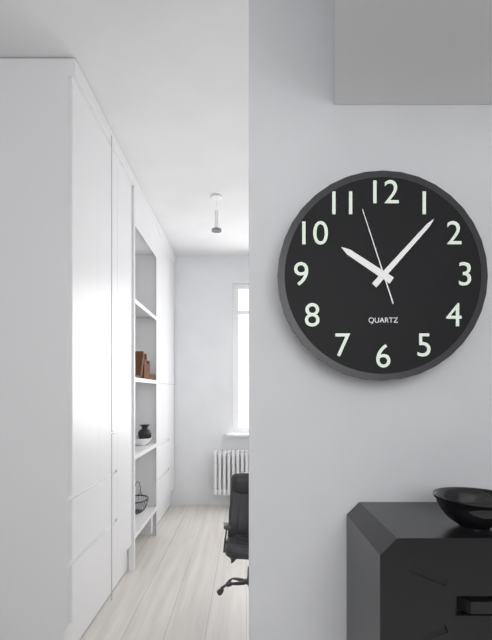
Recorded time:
10,07,57
